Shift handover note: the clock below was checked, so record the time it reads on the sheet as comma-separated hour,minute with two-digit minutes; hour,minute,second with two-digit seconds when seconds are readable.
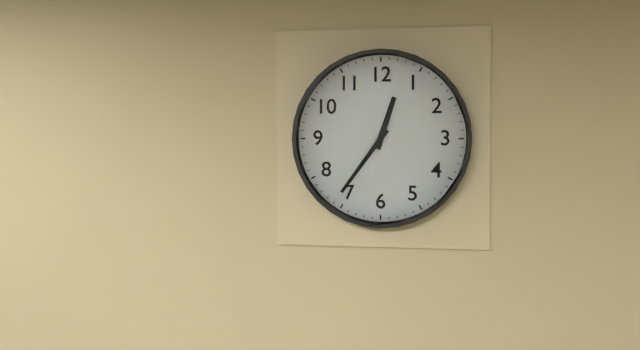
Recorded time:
12,36
